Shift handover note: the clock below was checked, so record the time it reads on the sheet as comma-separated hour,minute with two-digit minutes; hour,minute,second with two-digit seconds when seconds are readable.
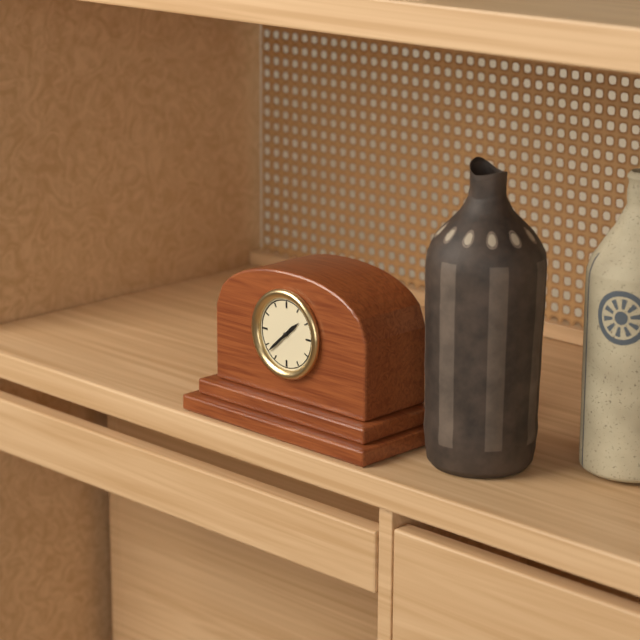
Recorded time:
1,38
